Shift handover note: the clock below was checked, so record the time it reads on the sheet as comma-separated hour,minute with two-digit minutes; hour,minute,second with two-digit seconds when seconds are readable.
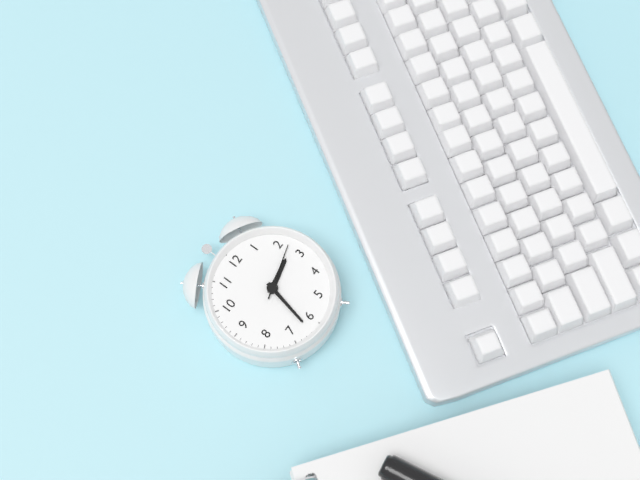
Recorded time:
2,32,12
